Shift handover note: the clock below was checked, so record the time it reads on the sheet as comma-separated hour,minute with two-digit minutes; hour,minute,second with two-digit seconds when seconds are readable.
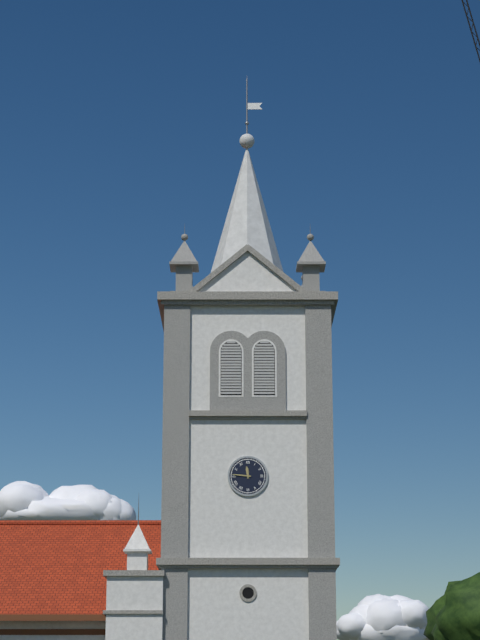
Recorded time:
11,46
